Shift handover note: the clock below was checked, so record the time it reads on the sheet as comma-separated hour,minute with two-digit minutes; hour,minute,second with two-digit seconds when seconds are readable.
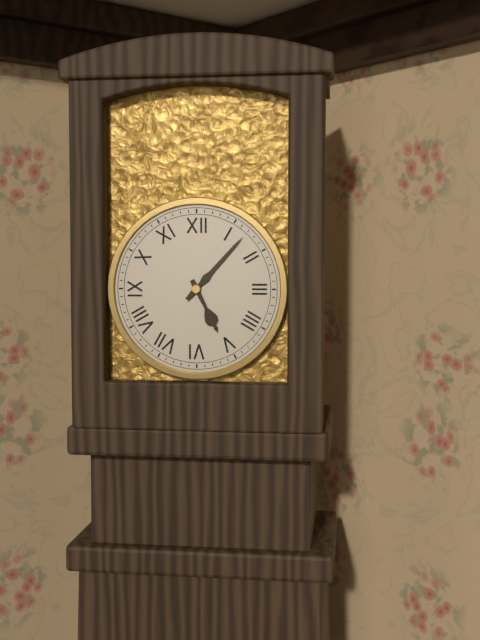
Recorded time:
5,07
